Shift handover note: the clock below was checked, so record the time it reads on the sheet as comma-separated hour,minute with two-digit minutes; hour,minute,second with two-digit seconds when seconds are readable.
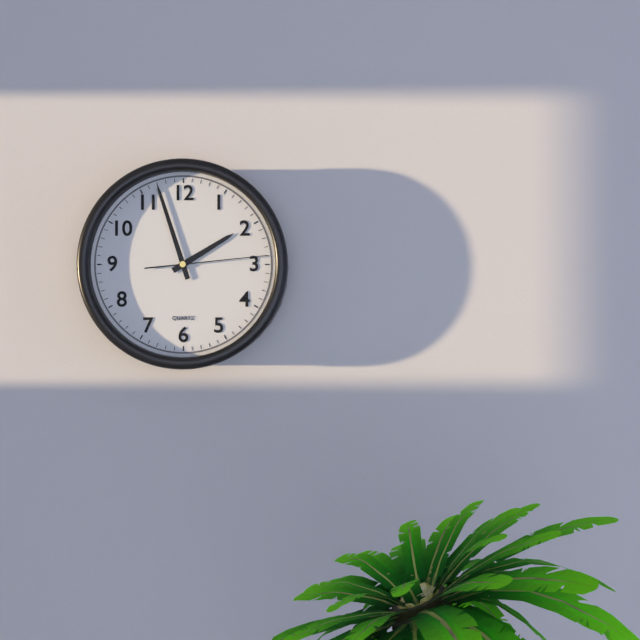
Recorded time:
1,57,14
